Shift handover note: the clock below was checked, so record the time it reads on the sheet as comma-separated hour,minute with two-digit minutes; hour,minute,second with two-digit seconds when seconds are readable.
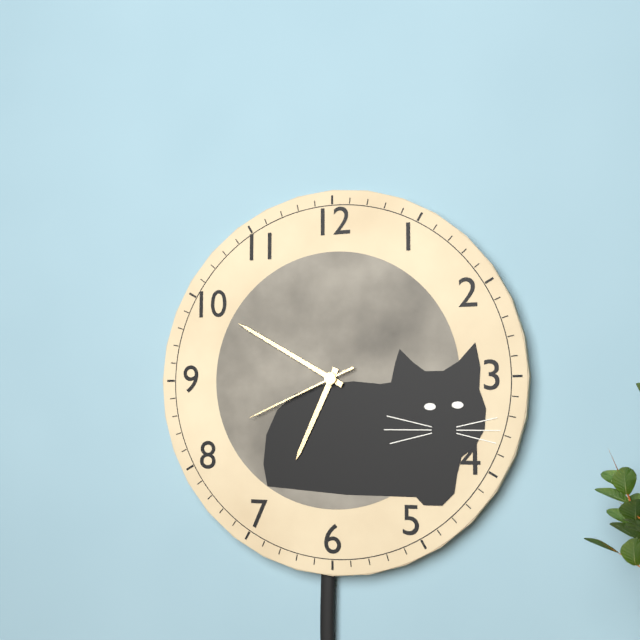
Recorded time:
6,50,41
